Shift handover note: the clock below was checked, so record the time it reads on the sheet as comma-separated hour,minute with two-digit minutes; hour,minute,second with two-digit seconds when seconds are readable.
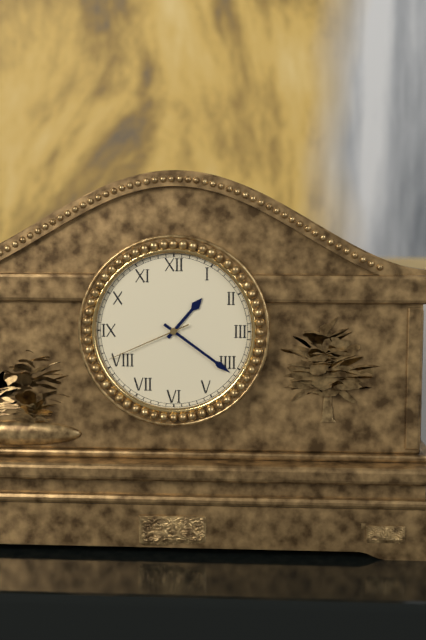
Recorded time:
1,21,41
